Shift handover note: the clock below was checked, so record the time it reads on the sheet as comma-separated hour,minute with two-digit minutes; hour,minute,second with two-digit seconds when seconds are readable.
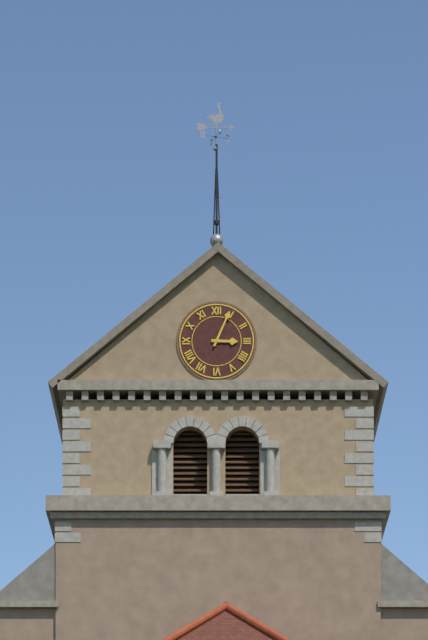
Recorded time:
3,04
